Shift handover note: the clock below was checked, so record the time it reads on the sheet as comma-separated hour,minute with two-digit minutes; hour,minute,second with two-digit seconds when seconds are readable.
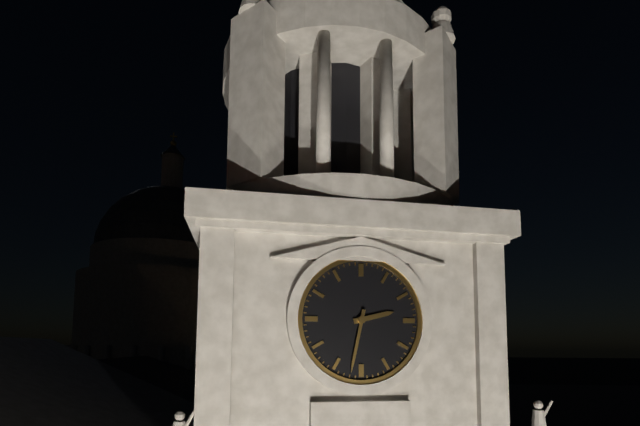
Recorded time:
2,32
